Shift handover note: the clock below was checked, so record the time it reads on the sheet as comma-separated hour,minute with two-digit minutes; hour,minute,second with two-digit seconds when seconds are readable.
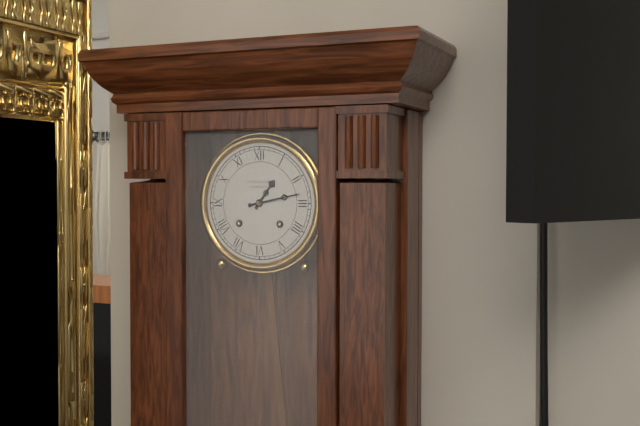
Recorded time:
1,13
